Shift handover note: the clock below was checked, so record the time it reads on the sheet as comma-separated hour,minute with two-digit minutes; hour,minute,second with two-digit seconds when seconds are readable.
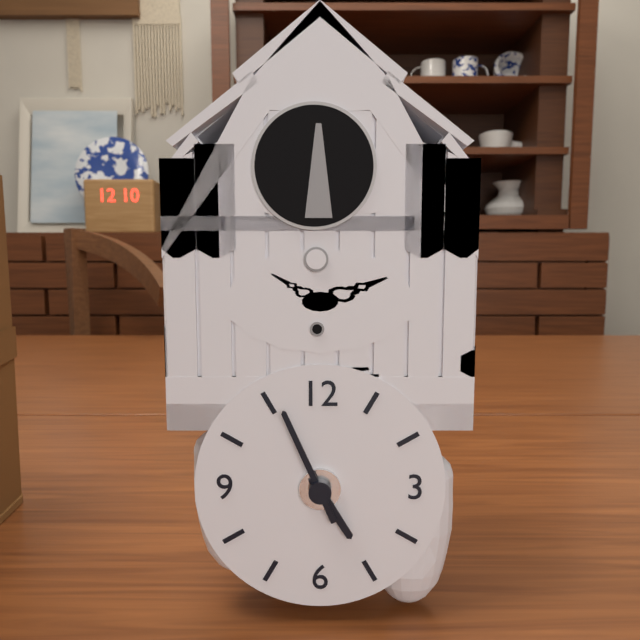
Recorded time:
4,56
